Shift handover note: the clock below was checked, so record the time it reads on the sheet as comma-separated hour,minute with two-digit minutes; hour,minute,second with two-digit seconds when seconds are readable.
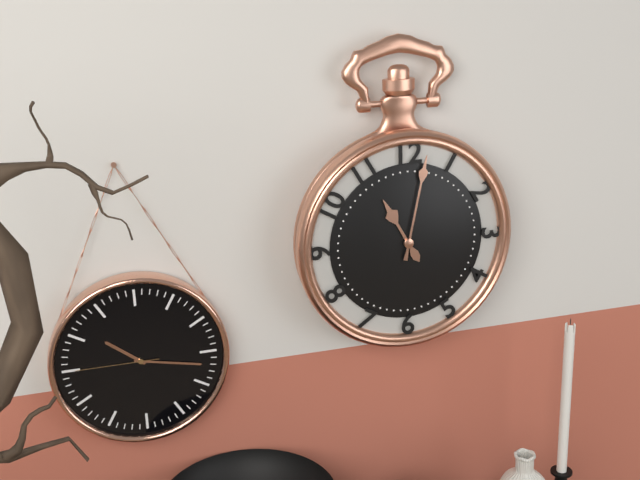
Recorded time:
11,02
